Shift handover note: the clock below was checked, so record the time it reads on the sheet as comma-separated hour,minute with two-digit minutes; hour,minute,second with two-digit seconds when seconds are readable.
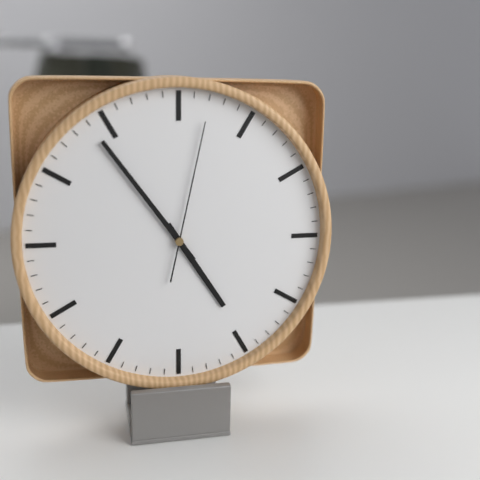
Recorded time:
4,54,02
